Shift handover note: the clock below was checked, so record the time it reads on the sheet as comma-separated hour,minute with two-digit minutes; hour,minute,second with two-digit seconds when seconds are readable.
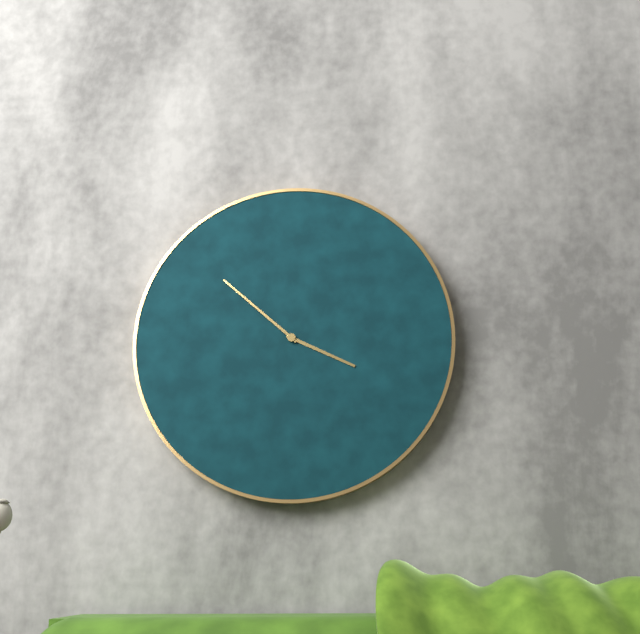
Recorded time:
3,52
